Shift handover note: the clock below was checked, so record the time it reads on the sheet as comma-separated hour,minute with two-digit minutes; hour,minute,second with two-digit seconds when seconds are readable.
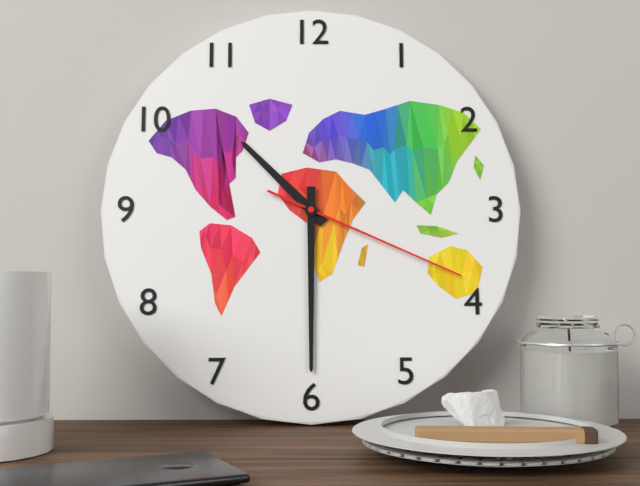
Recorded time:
10,30,19
